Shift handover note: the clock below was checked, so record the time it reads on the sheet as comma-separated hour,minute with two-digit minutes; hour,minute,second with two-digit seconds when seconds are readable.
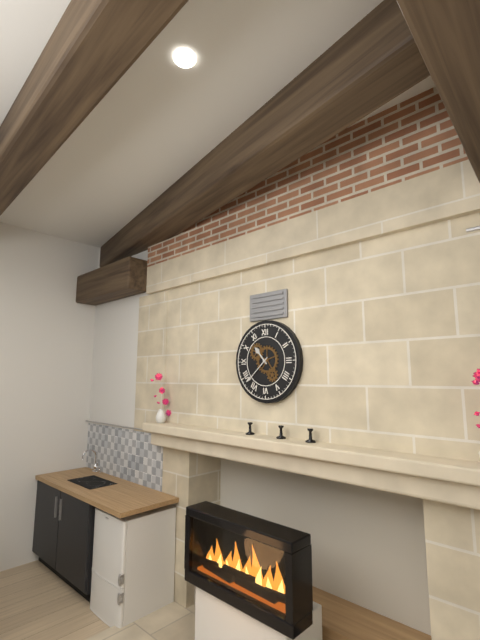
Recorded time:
10,38
